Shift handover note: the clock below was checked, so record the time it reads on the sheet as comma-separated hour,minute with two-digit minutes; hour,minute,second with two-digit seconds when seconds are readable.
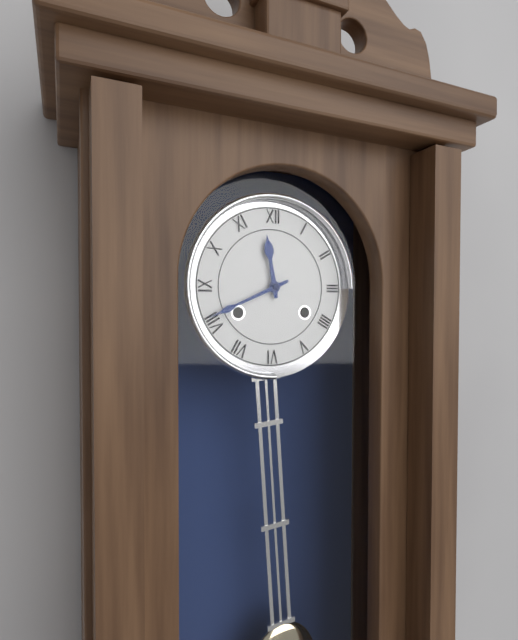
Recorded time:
11,41
